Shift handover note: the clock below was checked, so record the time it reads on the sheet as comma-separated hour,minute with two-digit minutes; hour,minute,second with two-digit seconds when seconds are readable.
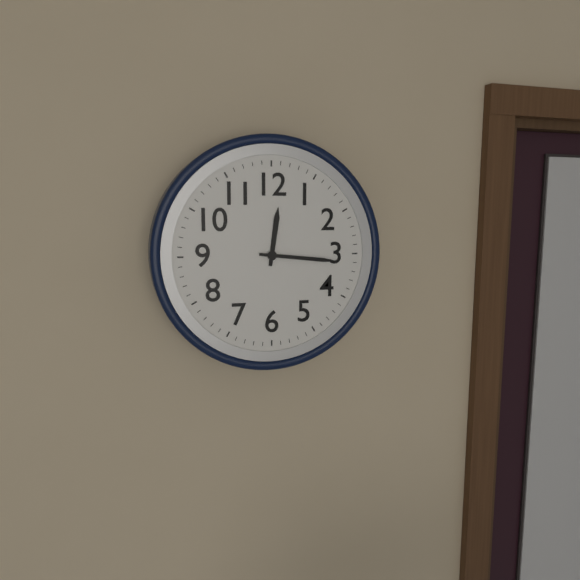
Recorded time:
12,16
